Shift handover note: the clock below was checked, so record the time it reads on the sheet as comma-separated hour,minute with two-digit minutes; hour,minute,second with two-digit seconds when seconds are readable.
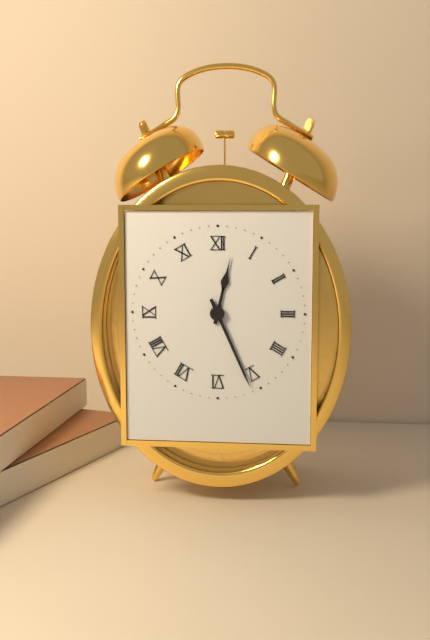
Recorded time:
12,26
